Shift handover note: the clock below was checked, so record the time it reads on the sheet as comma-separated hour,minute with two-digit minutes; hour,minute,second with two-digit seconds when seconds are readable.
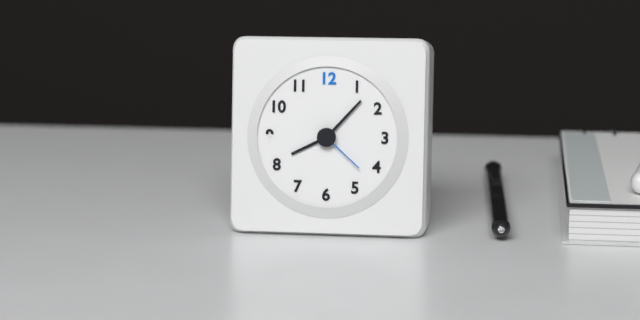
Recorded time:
8,07,22
